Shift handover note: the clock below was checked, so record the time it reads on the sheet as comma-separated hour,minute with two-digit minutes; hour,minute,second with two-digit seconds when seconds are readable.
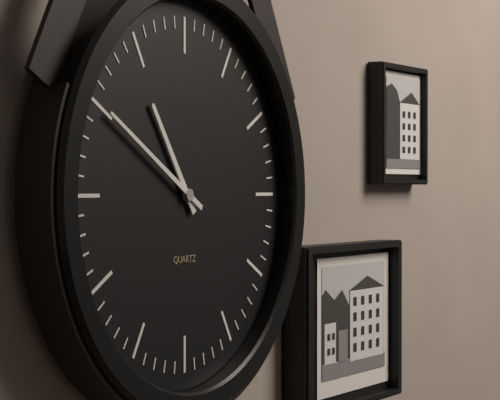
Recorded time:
10,50
